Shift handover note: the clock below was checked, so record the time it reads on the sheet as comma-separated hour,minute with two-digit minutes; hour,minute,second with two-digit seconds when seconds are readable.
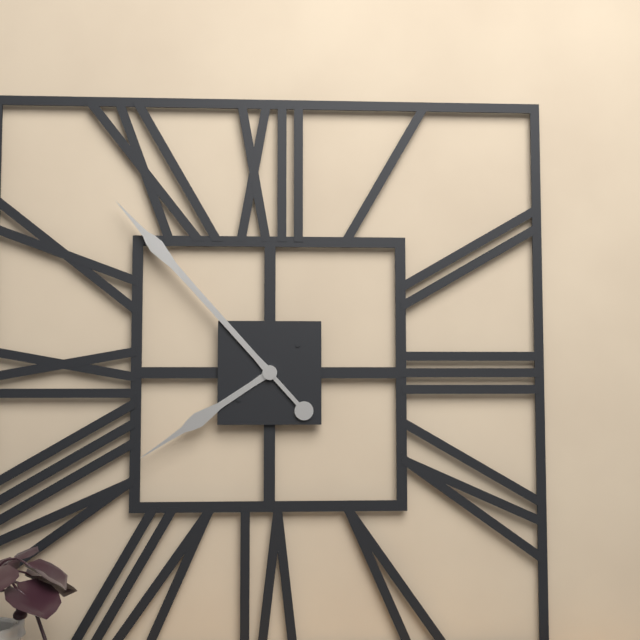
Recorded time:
7,53
